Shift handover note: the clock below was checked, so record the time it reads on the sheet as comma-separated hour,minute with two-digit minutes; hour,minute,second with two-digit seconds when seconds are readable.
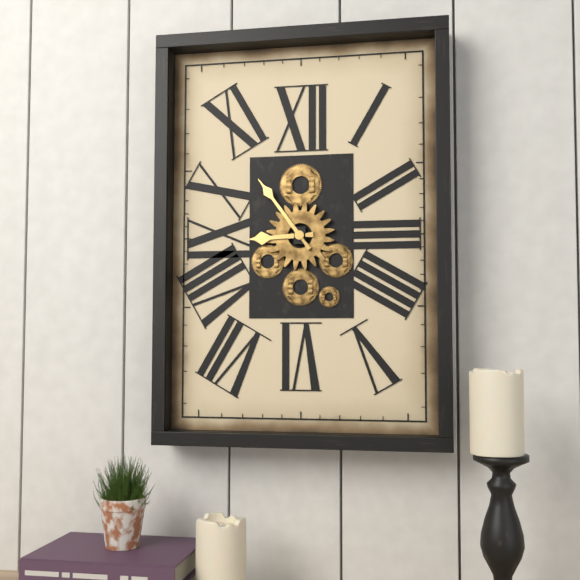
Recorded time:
8,54
